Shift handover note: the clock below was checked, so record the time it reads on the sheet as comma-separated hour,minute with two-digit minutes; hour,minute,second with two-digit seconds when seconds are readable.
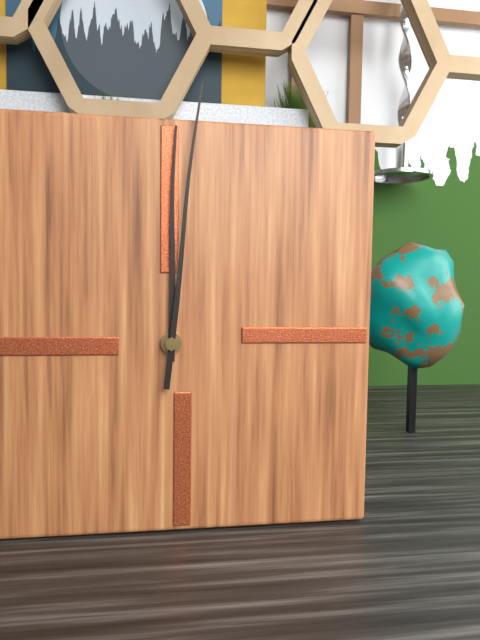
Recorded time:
12,01
